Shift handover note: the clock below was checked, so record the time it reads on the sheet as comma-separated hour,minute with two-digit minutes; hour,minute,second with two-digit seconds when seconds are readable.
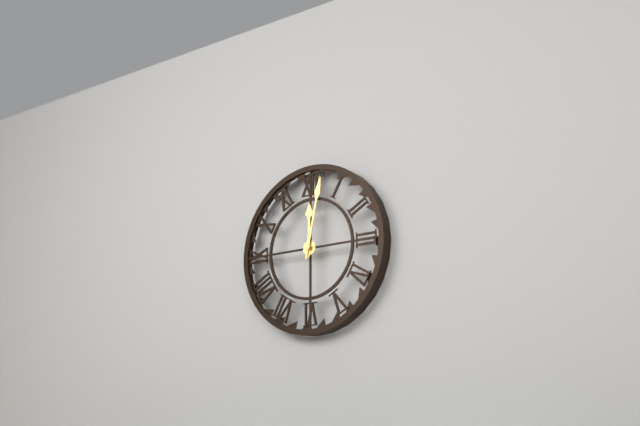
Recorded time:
12,02
